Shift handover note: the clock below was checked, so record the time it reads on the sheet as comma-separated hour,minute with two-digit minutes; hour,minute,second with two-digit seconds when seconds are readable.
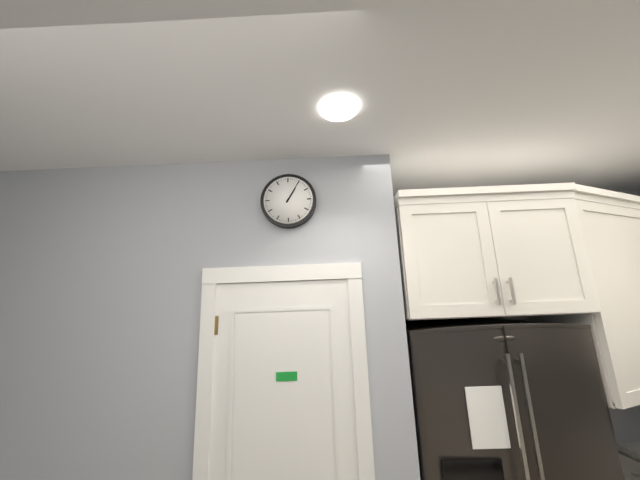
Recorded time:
1,05
